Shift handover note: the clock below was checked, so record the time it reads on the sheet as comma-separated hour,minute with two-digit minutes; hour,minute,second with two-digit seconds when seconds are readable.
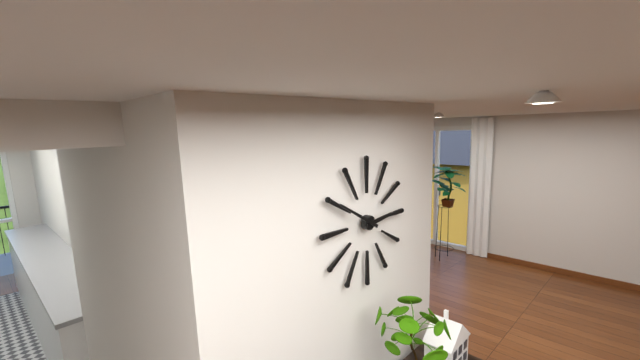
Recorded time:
2,50
